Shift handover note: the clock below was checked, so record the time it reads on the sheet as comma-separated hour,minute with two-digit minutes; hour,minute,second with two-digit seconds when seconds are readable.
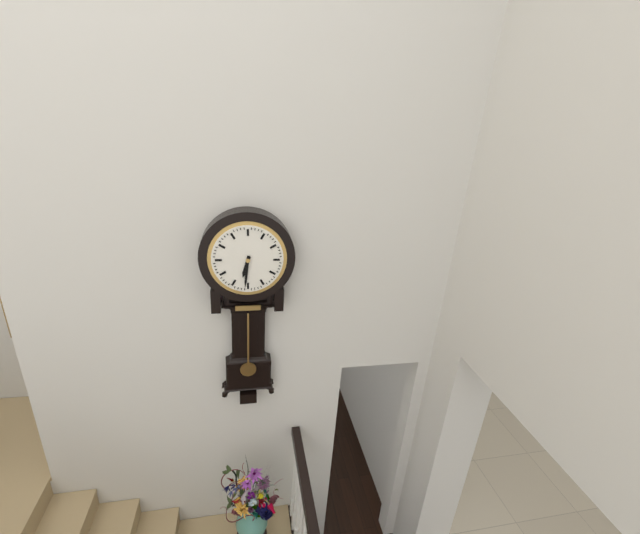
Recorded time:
6,31
